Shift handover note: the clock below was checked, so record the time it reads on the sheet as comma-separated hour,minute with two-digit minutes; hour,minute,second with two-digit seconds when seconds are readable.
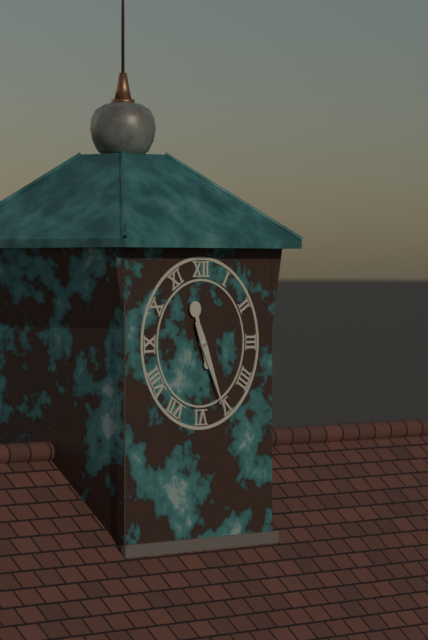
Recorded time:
11,26
